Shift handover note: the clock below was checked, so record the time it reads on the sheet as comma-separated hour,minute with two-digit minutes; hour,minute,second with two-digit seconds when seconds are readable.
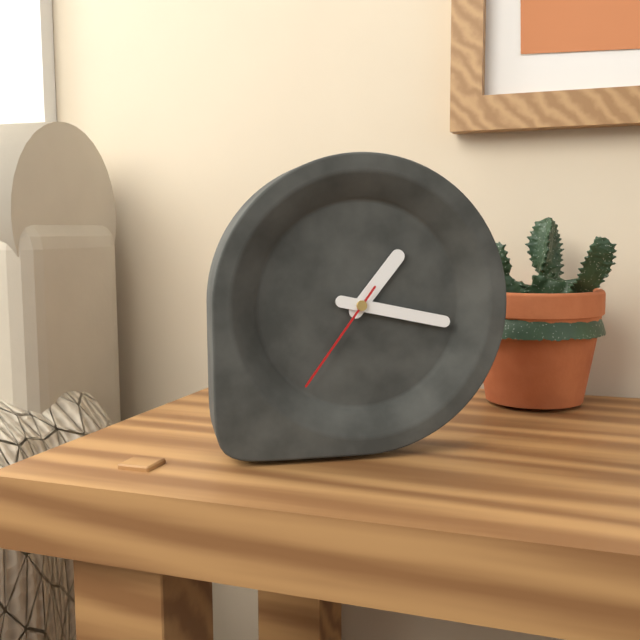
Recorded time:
1,17,36
